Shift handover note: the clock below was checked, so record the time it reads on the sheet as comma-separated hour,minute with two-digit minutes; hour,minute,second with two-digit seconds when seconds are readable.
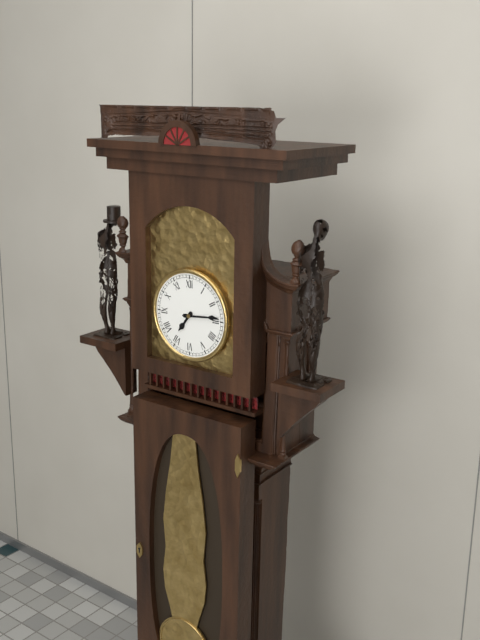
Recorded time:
7,14
